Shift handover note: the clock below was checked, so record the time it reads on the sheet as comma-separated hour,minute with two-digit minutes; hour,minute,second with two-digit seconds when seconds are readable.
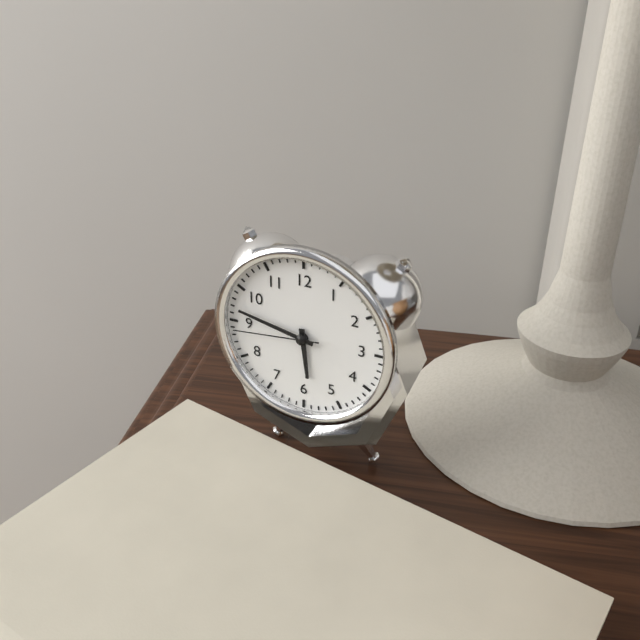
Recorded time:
5,47,44
